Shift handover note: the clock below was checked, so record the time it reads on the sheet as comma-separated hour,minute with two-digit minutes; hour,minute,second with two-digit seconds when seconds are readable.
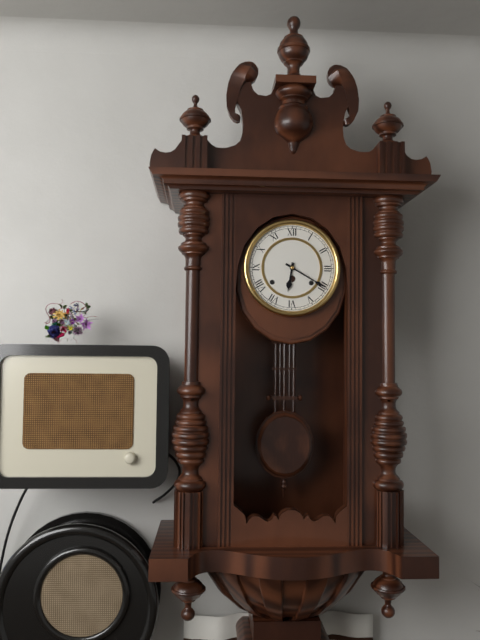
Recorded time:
6,20
